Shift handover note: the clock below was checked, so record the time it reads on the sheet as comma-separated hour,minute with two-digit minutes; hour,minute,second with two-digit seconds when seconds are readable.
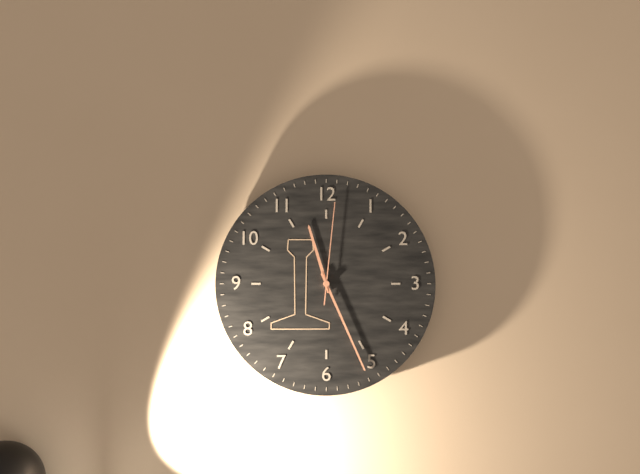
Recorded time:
11,26,01
